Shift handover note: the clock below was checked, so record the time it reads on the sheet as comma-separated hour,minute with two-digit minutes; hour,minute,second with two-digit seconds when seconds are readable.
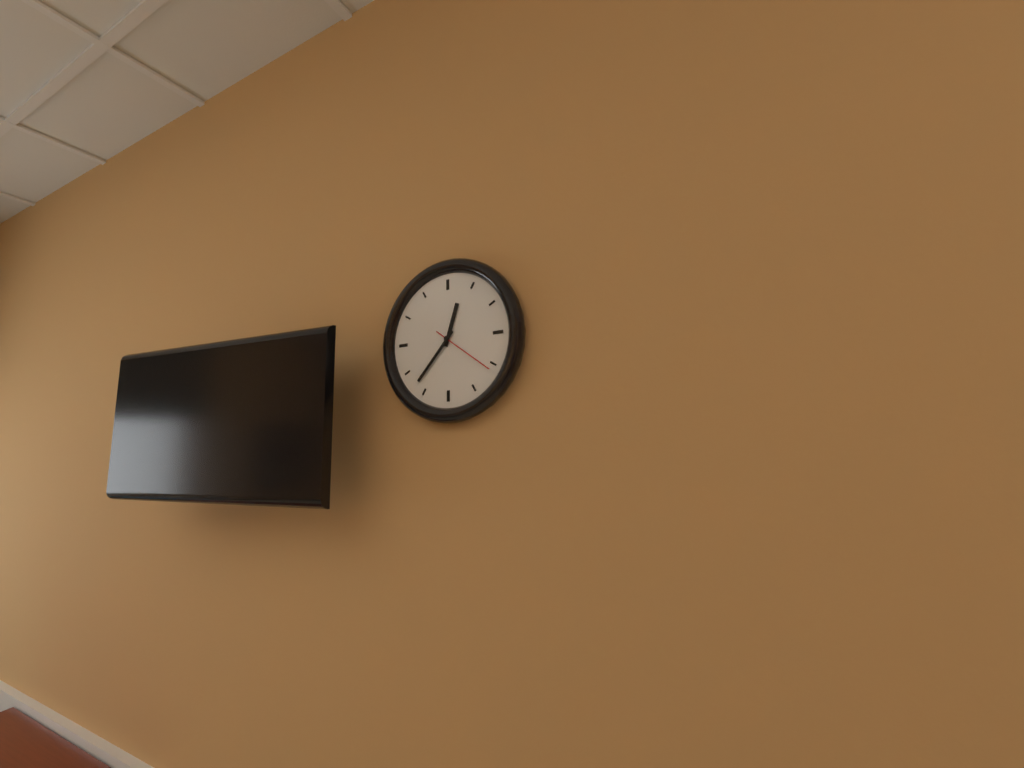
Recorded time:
12,37,21
